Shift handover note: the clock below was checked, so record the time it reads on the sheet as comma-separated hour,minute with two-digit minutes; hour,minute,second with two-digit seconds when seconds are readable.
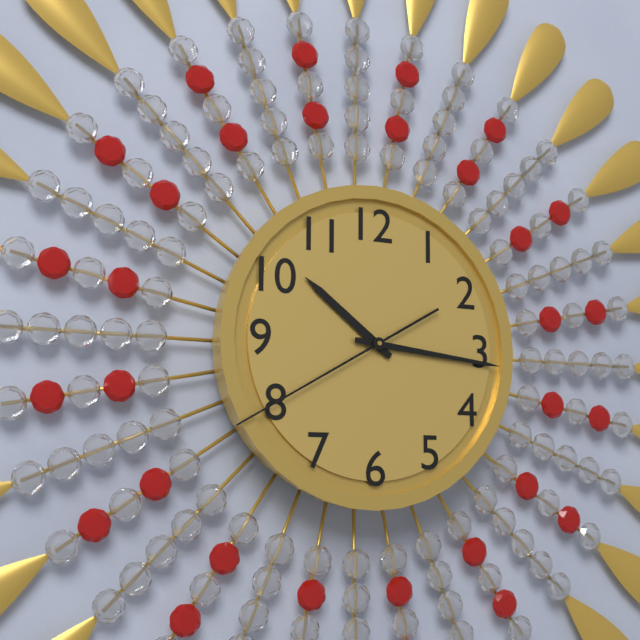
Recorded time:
10,16,40
